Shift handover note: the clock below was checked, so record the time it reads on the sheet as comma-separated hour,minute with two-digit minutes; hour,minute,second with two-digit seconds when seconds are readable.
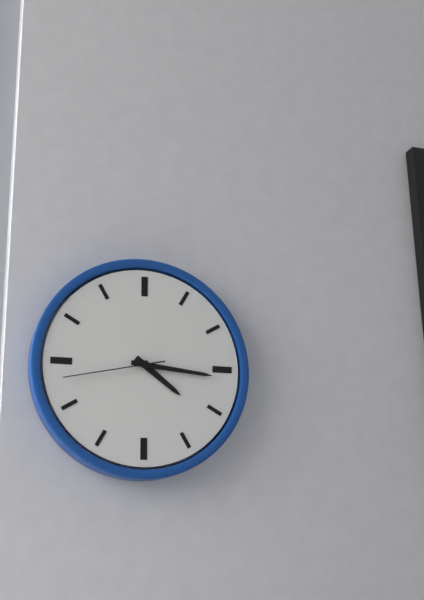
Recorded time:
4,16,43
